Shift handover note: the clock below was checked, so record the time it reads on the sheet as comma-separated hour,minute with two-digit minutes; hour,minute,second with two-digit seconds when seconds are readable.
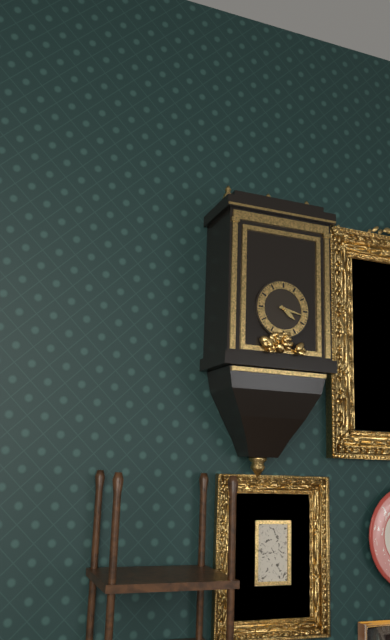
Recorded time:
4,17
